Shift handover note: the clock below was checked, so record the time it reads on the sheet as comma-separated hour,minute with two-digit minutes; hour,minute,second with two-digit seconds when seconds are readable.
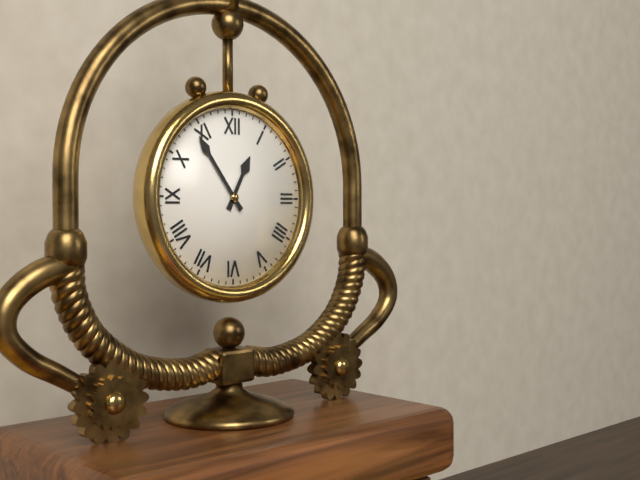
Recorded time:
12,54
